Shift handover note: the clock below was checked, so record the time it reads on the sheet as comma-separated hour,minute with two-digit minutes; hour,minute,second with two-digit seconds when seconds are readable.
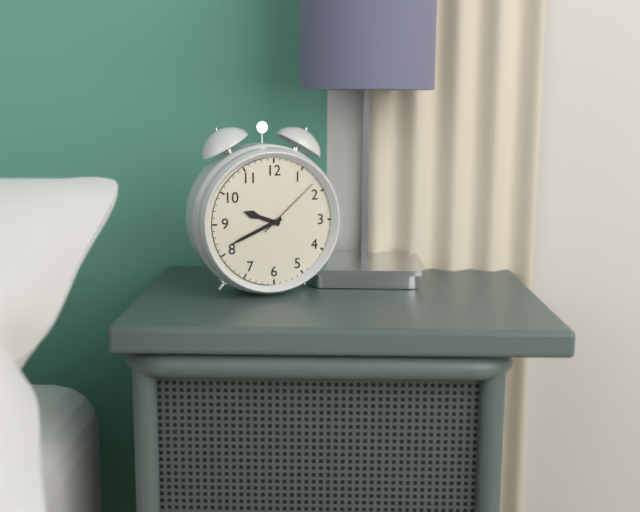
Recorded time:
9,41,08
